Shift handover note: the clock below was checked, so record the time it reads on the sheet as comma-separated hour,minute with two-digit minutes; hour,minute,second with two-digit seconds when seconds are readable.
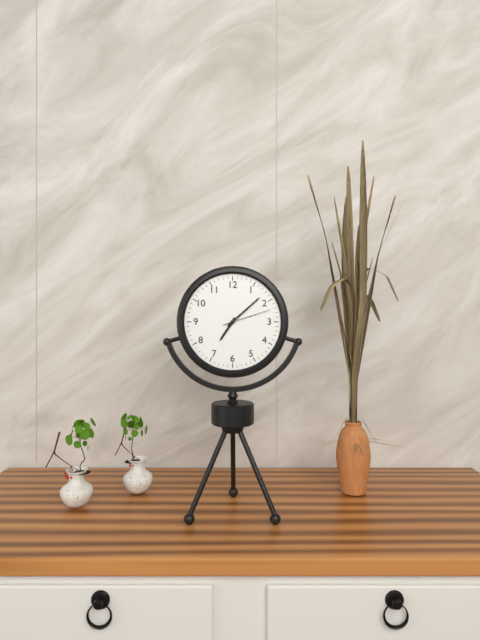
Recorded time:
7,08,12
